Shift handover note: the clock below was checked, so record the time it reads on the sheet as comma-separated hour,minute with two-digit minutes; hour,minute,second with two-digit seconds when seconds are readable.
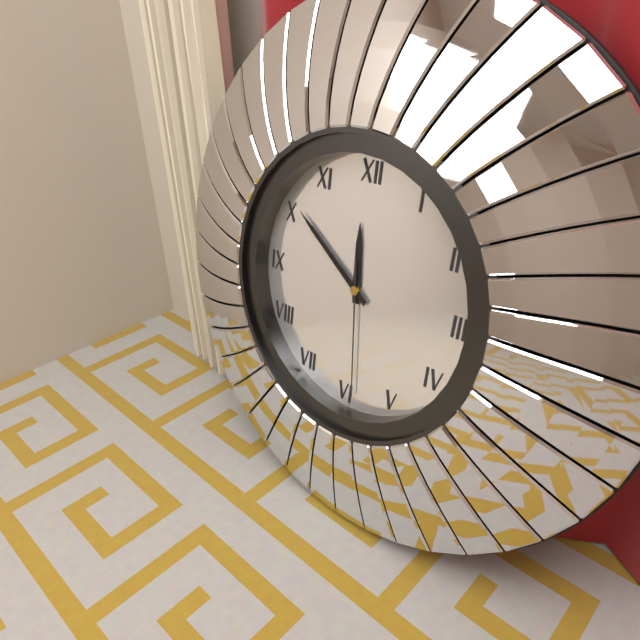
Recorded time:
11,51,29
